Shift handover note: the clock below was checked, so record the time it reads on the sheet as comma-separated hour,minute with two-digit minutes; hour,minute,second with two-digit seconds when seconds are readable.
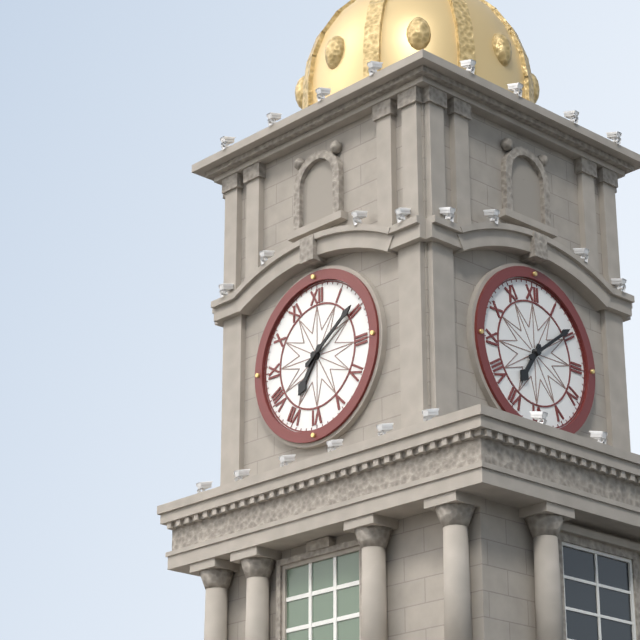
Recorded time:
7,09
